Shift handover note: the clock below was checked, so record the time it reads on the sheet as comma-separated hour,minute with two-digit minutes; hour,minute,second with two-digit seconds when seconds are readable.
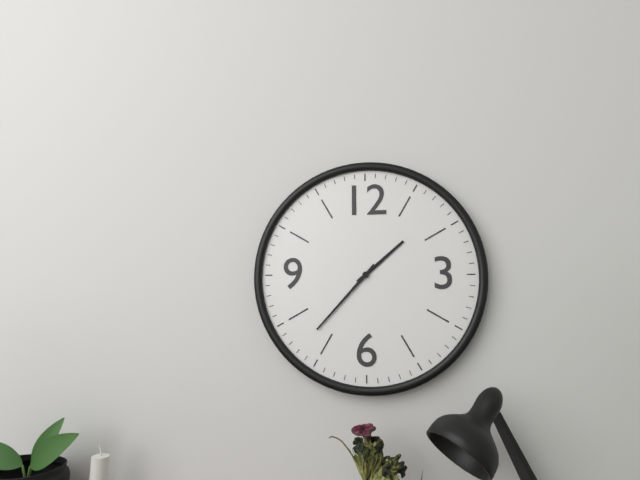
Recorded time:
1,37
